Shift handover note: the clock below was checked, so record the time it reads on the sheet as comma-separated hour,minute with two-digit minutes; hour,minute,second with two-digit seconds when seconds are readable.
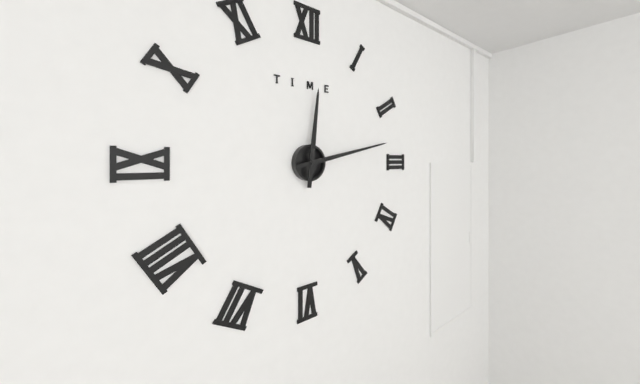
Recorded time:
12,13
